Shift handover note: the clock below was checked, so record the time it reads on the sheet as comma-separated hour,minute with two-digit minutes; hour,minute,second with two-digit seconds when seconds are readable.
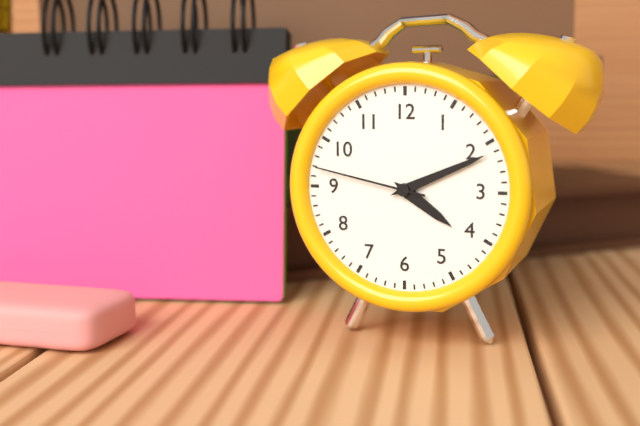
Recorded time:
4,11,47
